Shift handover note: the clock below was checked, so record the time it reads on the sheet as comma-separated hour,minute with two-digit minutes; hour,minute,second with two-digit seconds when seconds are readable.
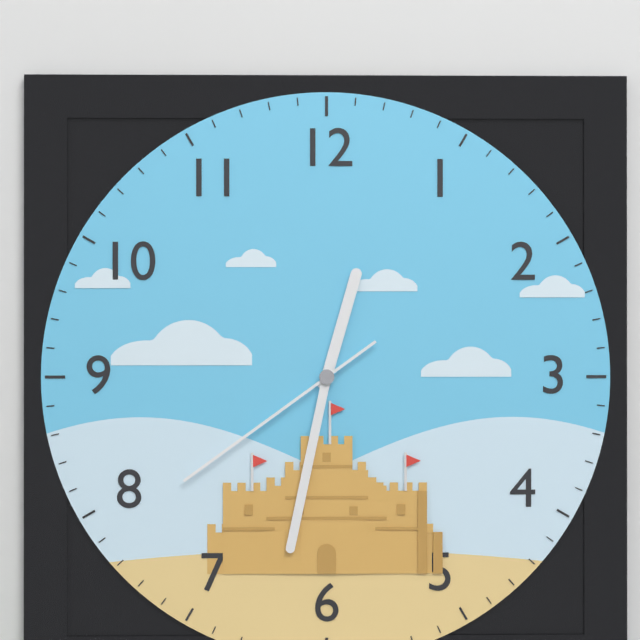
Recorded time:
12,32,39
